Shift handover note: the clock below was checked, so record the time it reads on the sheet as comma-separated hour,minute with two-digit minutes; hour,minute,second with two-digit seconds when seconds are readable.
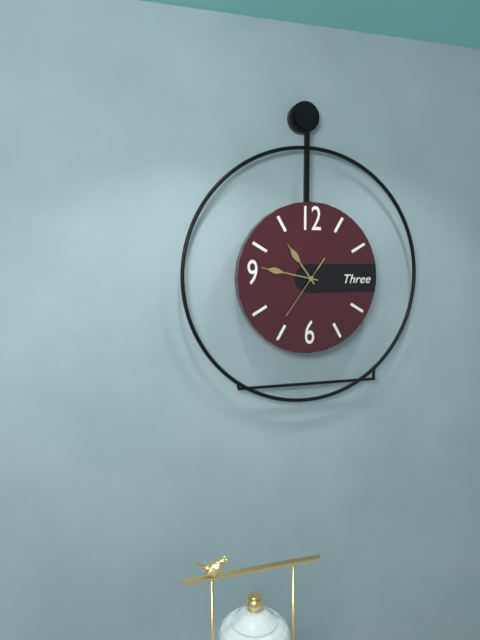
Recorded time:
10,47,36
